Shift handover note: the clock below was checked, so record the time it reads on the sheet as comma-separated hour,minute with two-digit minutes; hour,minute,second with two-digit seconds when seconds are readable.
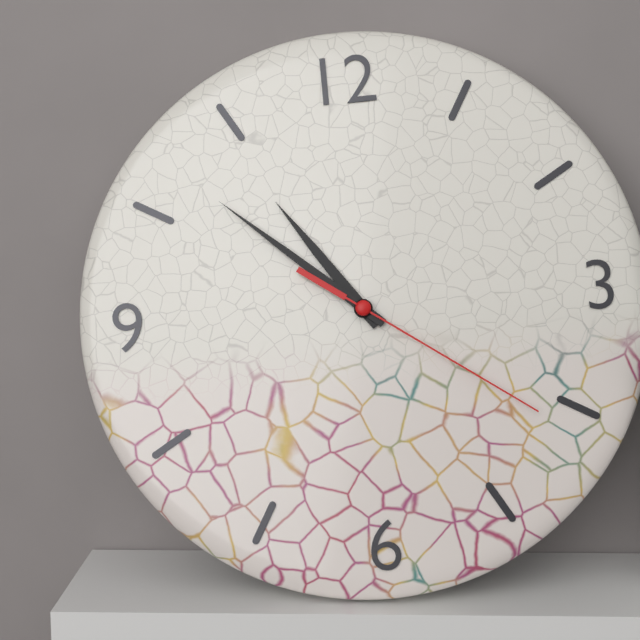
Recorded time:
10,52,21
